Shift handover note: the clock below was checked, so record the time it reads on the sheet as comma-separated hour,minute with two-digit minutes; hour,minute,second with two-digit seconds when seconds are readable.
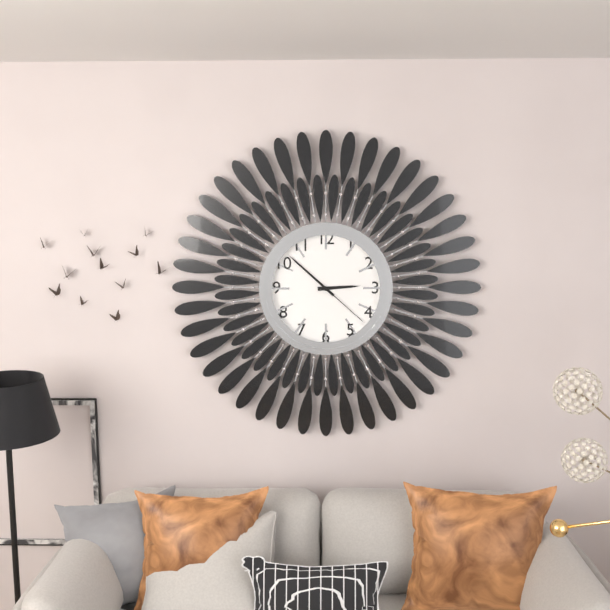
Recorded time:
2,52,22
